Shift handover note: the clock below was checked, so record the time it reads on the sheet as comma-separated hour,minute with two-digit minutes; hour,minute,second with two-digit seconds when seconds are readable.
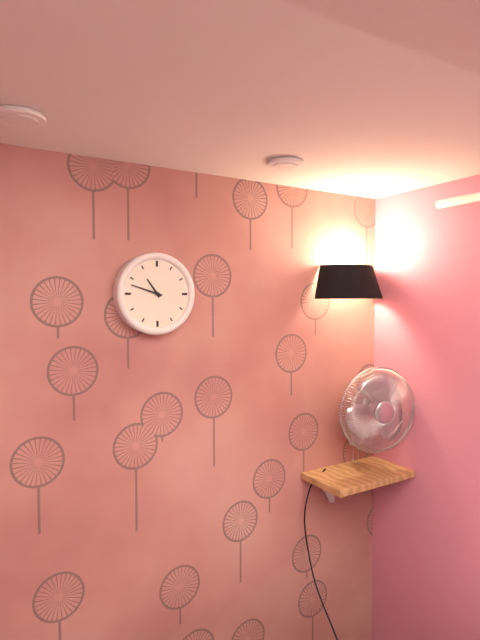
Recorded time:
10,48
